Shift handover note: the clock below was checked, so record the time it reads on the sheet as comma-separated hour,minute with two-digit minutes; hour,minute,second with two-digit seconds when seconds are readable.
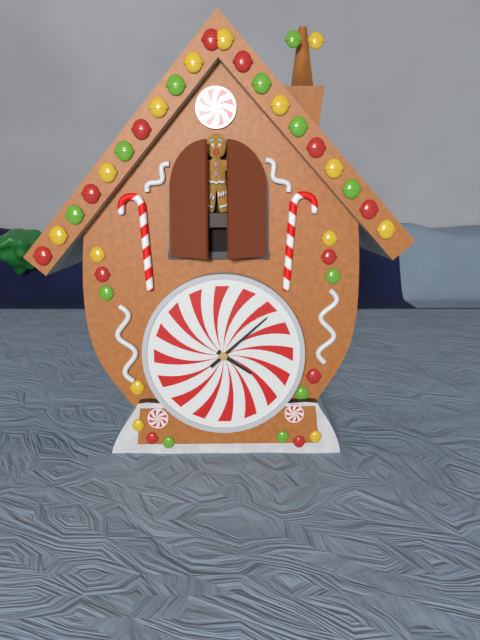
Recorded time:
4,08
